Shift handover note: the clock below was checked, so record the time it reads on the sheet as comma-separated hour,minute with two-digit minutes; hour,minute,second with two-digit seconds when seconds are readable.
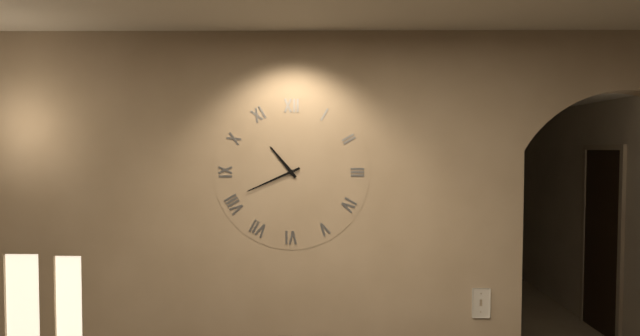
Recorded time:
10,41
